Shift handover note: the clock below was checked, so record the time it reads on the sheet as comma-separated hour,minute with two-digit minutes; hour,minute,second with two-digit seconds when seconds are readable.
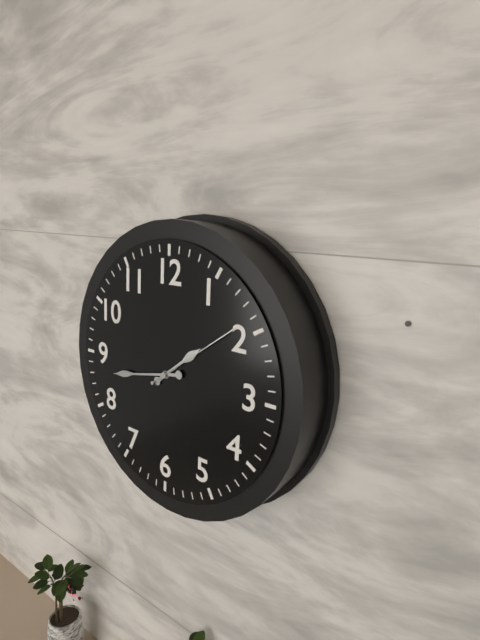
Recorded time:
1,43,09
